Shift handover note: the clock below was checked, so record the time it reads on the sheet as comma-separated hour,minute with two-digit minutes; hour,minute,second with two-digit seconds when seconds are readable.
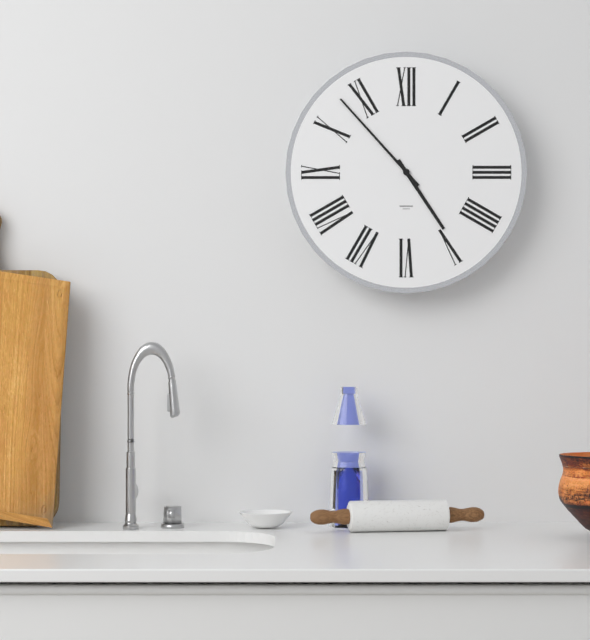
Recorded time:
4,53
